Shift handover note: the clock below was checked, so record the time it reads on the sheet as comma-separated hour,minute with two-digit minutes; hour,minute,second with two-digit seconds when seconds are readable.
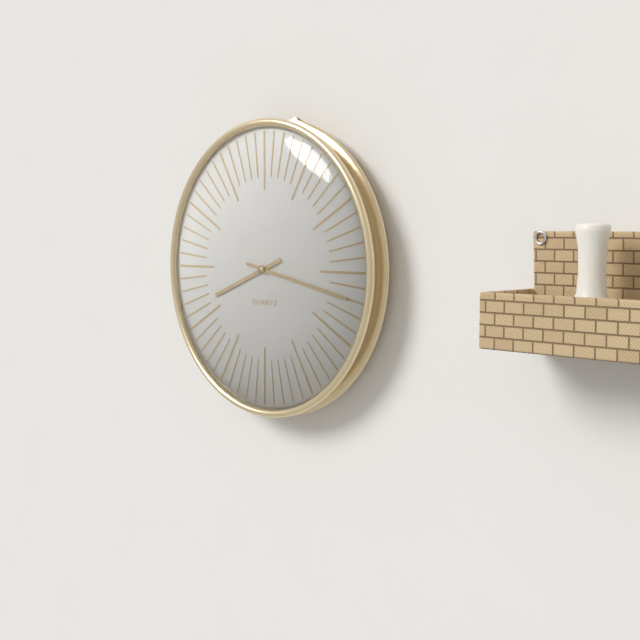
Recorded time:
8,17
